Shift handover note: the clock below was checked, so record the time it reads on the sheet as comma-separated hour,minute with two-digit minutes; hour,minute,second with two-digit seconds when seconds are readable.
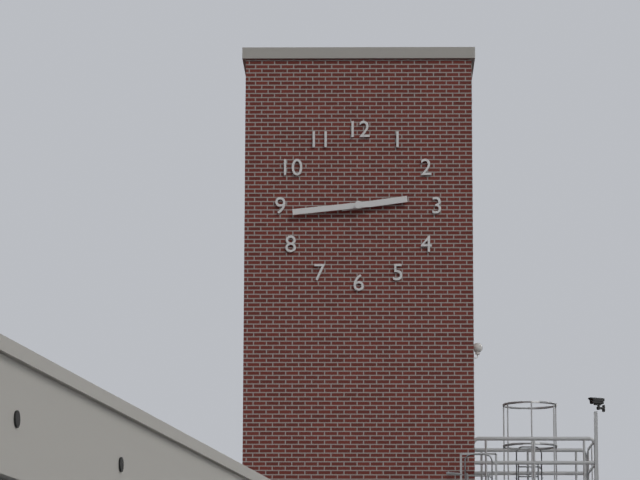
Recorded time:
2,44
